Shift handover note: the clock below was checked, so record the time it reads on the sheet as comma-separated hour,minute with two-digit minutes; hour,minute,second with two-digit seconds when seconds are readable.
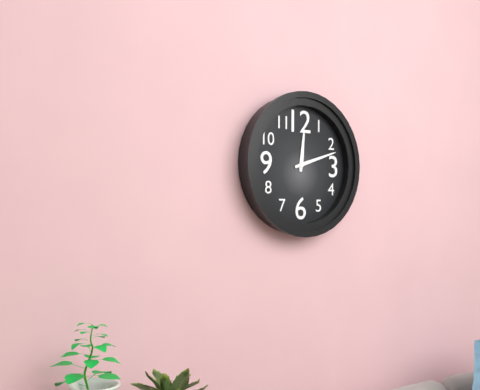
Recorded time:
12,12
